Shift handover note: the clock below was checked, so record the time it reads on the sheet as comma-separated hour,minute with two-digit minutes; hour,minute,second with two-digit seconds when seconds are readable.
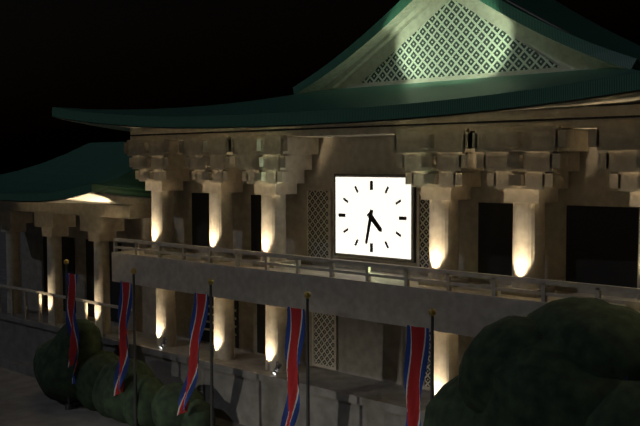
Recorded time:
4,32
